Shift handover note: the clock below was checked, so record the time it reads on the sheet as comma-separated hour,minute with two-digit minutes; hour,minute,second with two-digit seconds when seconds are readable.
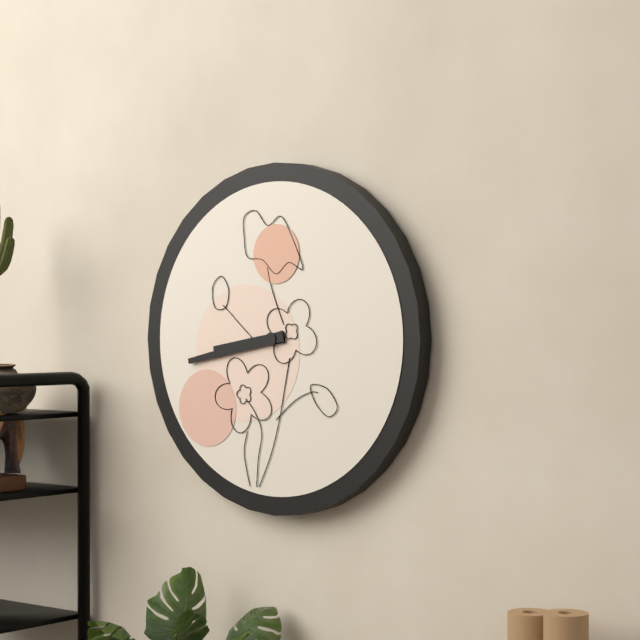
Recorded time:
8,43
